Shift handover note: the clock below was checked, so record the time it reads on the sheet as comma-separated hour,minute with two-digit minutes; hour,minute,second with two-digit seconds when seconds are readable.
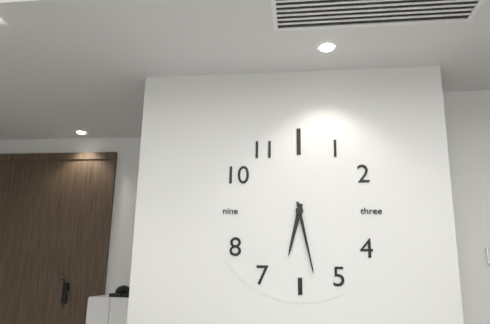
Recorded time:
6,28
